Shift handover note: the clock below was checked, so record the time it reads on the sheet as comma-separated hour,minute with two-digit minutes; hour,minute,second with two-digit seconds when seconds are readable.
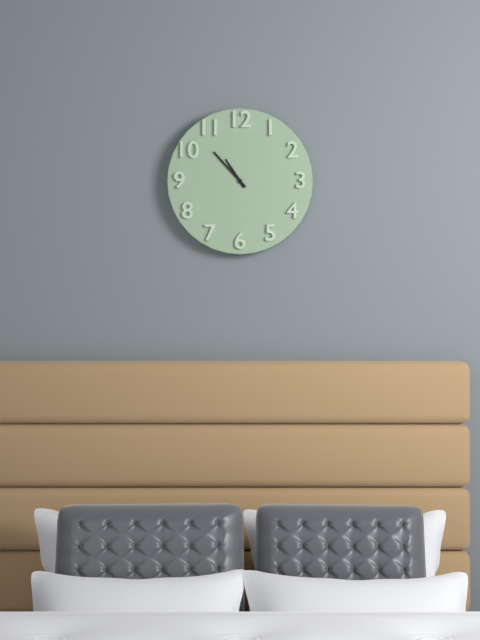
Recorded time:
10,53
